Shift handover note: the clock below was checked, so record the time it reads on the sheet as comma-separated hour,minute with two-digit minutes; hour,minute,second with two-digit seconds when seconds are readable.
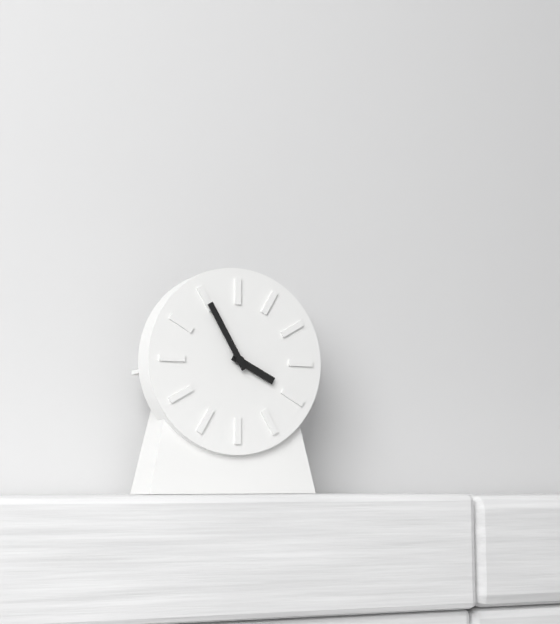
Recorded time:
3,55
